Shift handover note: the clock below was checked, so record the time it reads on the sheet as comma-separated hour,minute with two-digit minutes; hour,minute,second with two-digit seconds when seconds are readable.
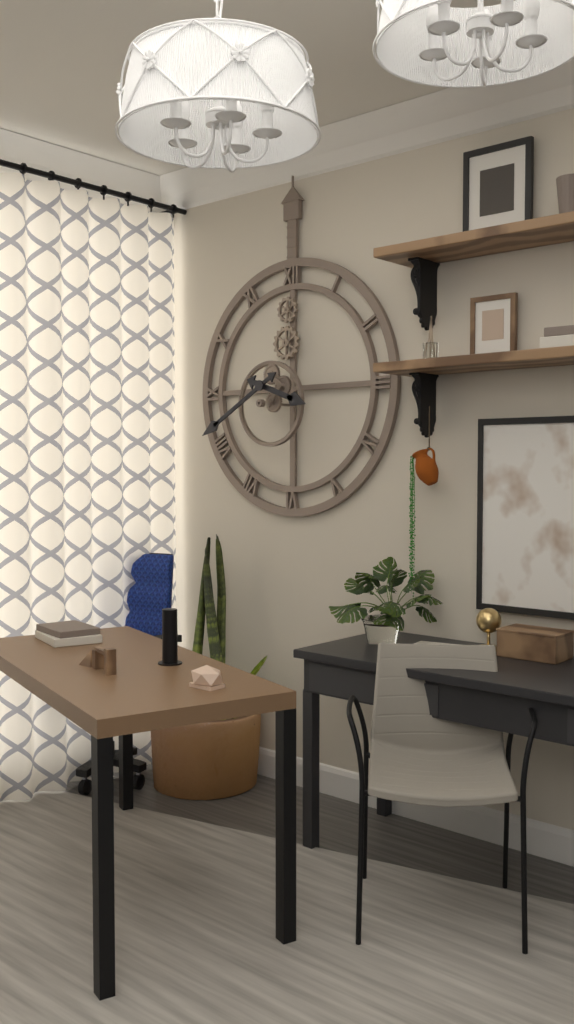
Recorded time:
3,40
